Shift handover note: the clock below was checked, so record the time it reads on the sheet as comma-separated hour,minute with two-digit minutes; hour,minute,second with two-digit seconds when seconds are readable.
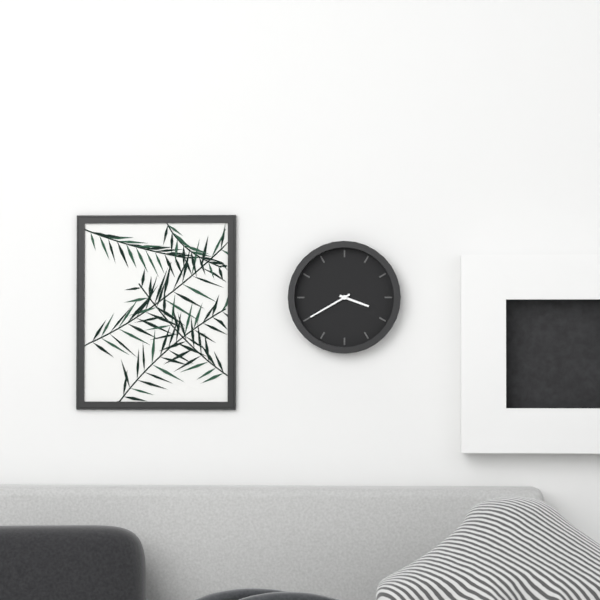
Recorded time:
3,40
